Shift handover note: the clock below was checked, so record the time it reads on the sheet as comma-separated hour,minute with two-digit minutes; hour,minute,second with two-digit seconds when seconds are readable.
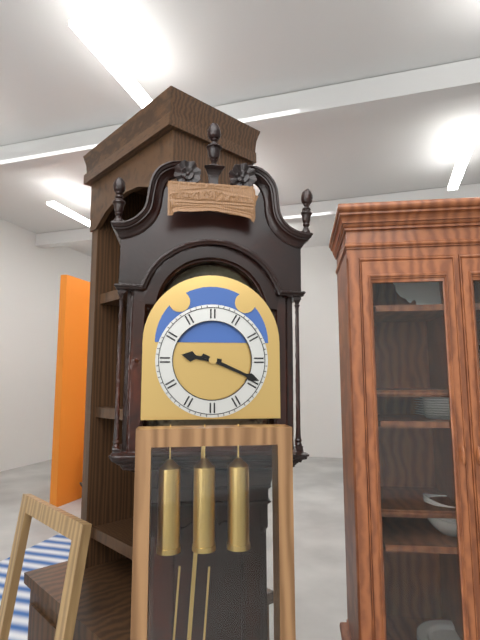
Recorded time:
9,19
